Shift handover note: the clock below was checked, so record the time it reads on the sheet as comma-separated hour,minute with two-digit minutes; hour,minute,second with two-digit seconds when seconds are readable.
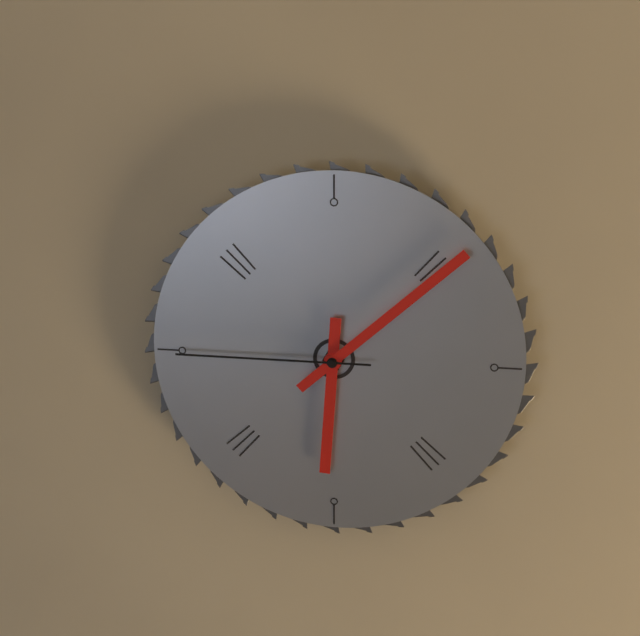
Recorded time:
6,08,45
